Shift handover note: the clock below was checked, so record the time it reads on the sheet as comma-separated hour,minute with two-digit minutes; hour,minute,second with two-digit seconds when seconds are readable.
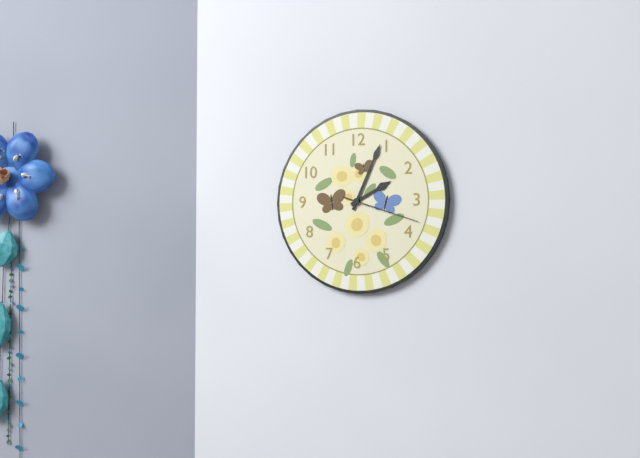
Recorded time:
2,04,18
